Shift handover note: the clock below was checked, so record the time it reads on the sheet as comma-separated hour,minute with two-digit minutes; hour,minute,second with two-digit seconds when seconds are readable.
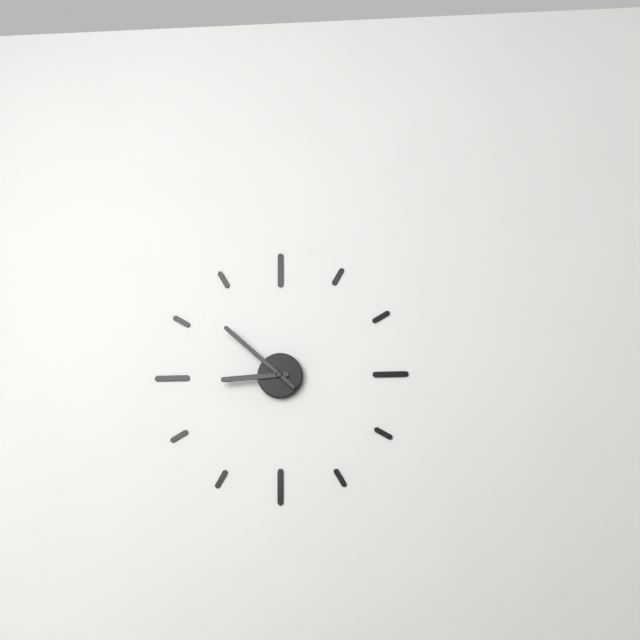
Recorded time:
8,52
